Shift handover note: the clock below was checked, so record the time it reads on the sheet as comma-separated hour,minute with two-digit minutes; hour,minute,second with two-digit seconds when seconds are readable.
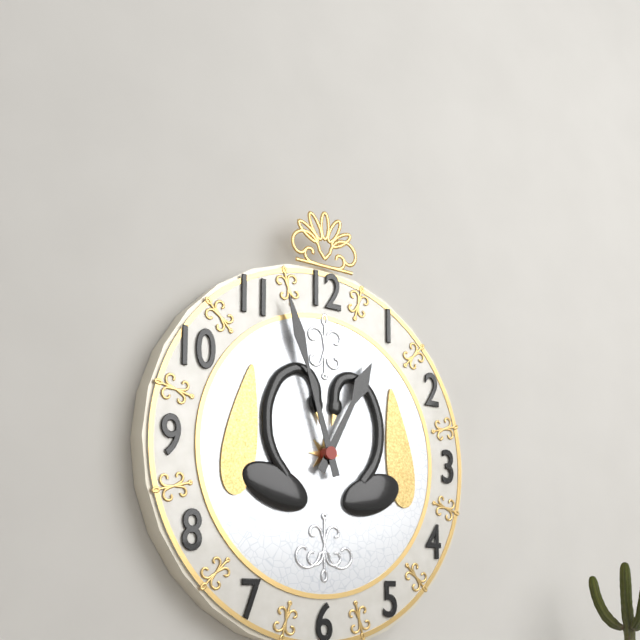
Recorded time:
12,57
